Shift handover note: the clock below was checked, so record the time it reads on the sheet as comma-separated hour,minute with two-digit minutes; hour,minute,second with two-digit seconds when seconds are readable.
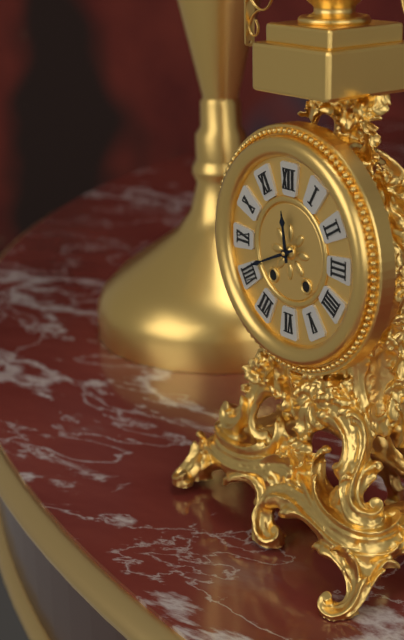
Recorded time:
11,41
